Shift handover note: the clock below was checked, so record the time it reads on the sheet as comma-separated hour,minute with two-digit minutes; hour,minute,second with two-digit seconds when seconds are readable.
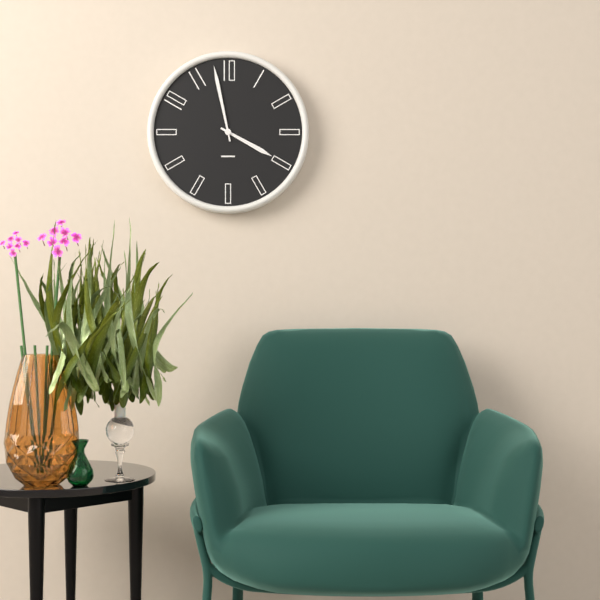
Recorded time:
3,58
